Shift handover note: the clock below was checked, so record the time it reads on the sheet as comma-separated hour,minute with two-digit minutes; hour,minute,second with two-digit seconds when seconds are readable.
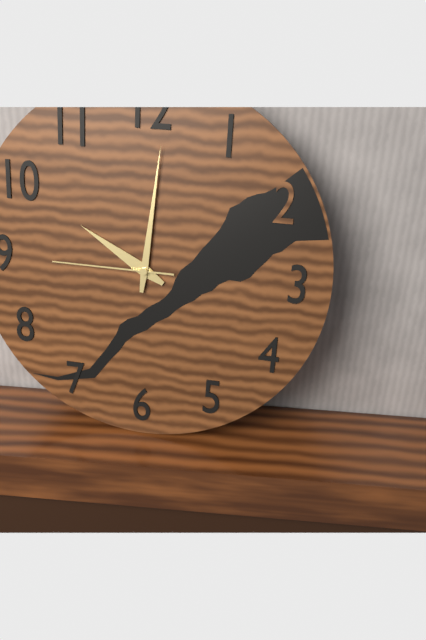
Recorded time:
10,01,45
